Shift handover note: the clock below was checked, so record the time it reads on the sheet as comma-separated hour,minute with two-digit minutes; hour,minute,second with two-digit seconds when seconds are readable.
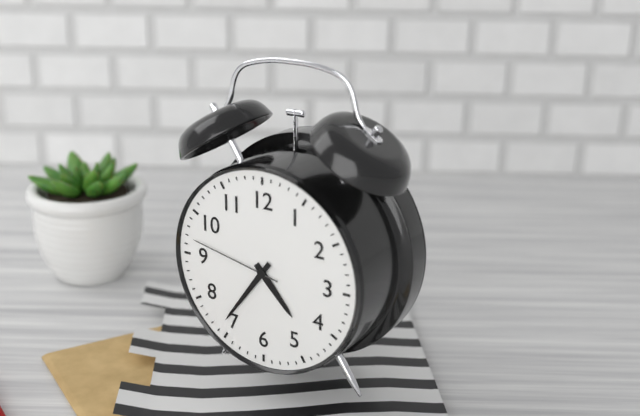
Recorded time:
4,36,47
